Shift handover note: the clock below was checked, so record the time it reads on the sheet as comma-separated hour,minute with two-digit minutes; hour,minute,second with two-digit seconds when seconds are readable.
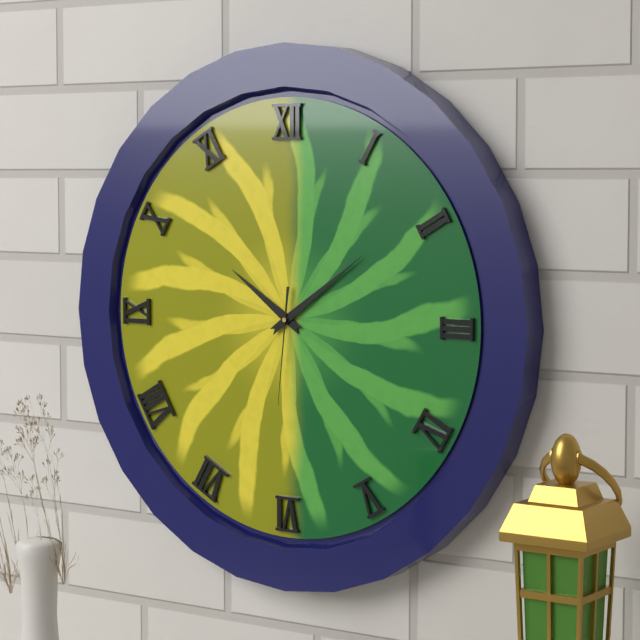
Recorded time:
10,09,31
